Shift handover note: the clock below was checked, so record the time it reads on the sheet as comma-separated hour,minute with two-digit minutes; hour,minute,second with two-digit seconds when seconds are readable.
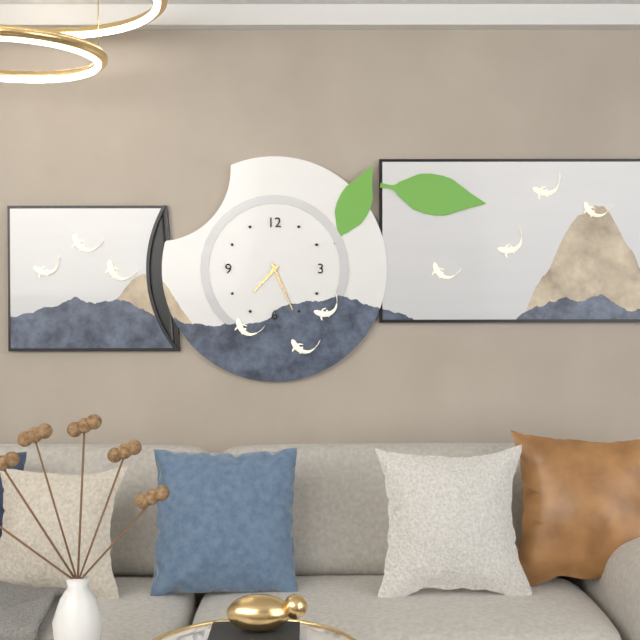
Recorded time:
7,26
